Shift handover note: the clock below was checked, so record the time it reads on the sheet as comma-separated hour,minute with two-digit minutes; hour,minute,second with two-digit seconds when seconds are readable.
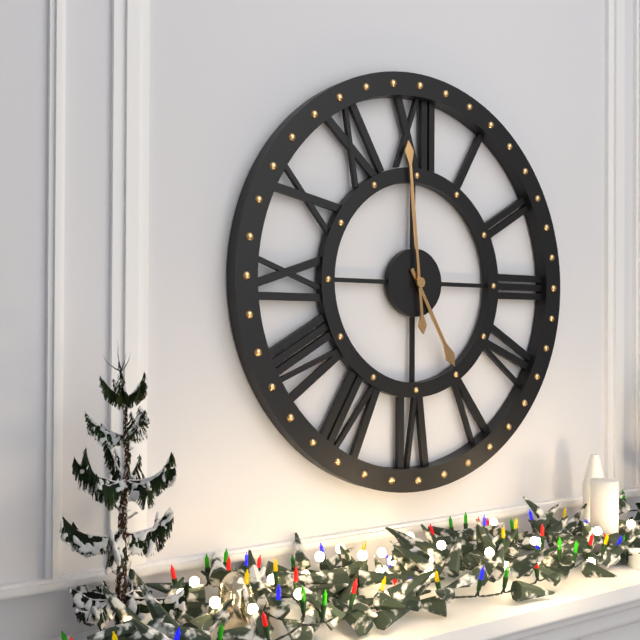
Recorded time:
4,59
